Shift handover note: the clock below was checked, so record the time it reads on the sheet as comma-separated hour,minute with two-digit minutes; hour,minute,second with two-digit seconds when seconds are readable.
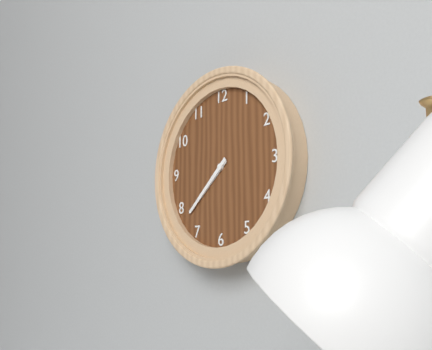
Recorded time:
7,38
